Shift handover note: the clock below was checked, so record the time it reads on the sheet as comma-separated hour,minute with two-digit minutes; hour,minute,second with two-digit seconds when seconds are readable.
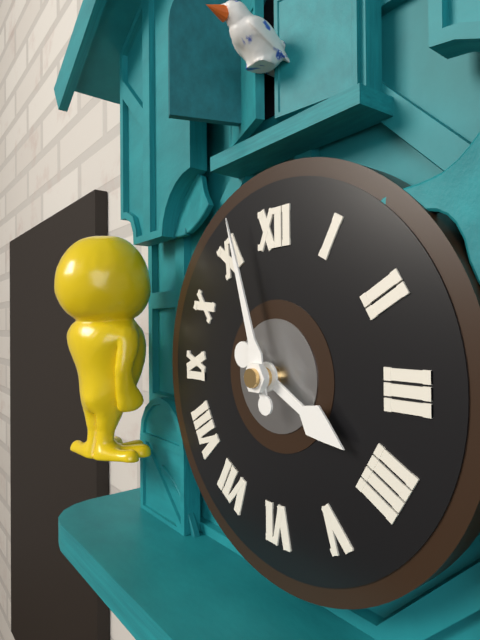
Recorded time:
3,57
